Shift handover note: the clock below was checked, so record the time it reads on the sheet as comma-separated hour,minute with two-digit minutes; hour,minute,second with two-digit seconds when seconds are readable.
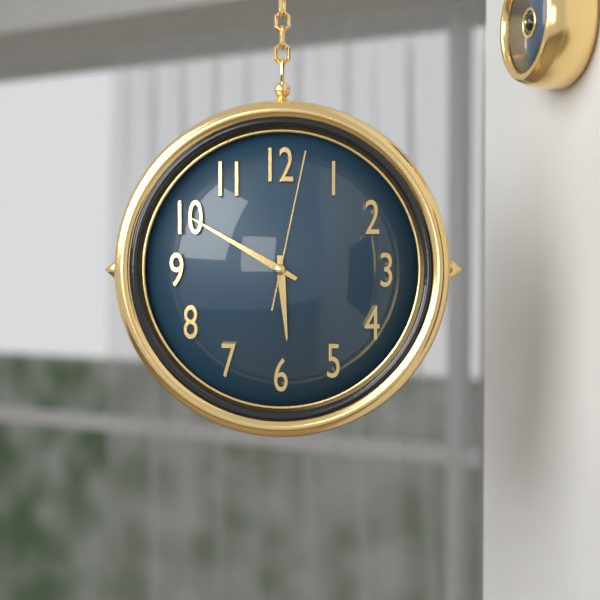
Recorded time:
5,50,02
